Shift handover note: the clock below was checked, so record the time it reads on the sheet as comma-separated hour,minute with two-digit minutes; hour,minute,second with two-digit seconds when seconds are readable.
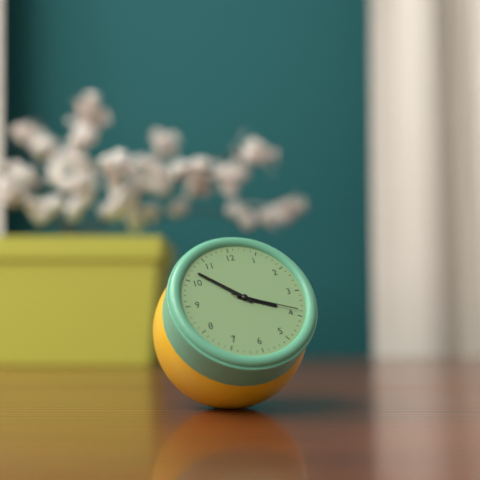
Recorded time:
3,52,19
